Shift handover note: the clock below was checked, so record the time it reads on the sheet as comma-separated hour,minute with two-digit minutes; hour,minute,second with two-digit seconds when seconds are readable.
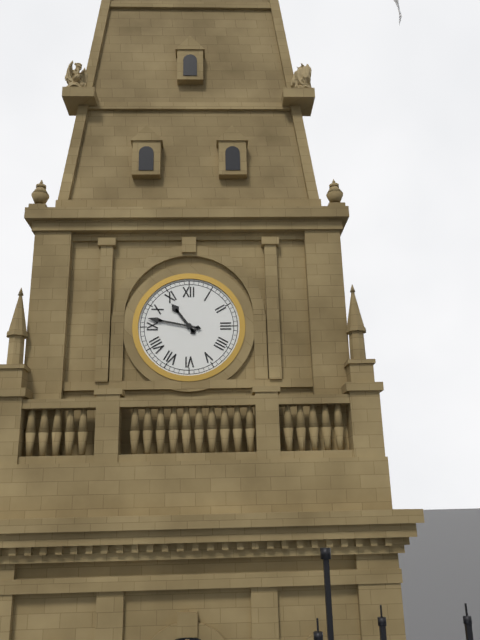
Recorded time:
10,47
